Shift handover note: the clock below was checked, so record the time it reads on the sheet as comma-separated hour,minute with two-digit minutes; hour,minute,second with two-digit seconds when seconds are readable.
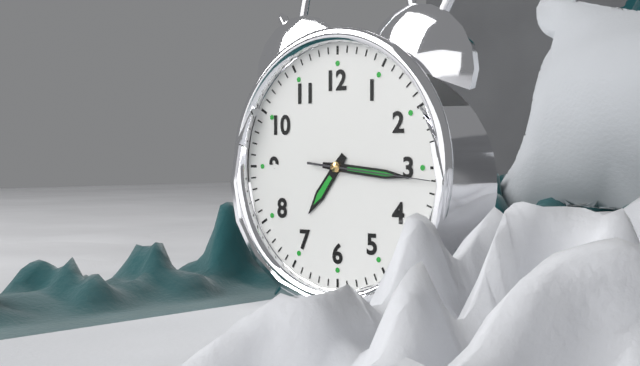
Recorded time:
7,16,16
